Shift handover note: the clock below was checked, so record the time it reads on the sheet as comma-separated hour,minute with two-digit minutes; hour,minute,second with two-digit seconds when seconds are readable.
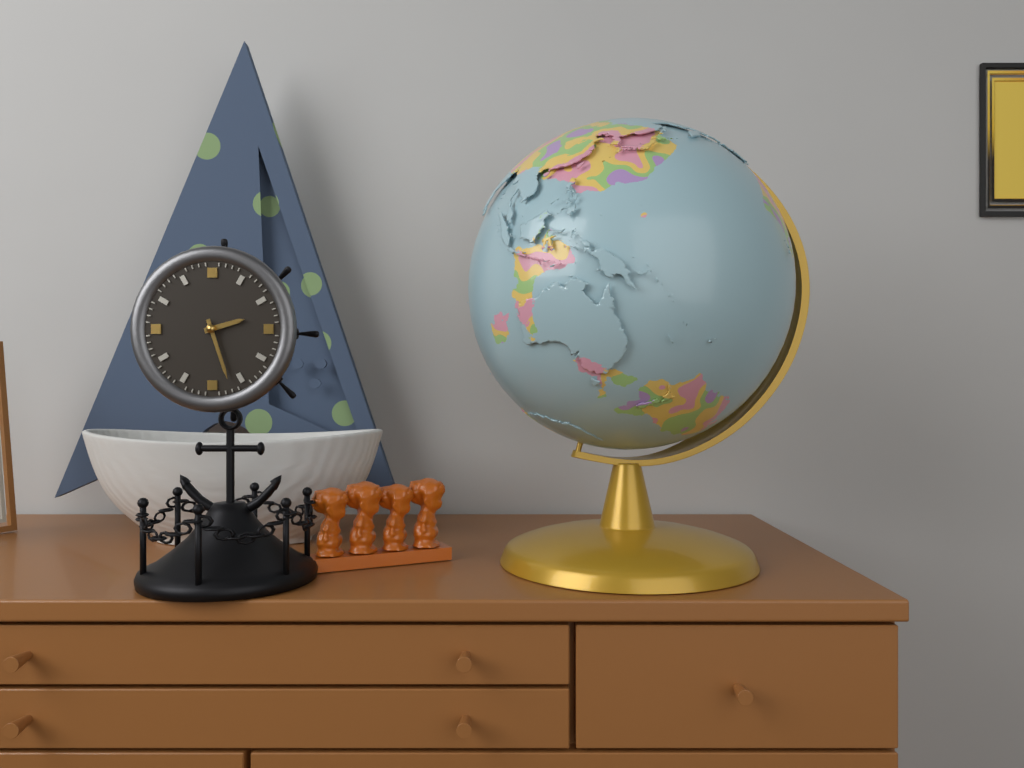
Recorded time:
2,27
